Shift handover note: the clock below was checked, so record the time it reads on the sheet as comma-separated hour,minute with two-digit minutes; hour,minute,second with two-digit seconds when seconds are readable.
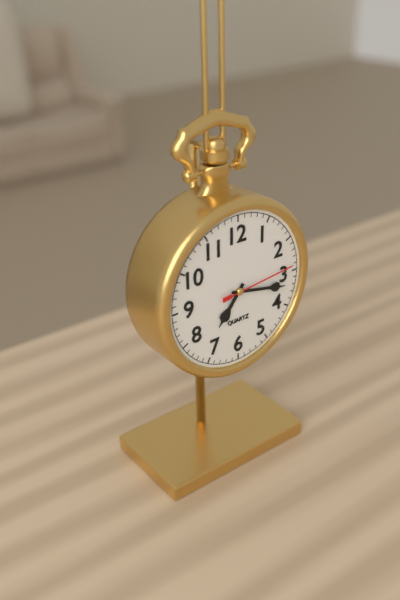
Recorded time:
7,17,14
